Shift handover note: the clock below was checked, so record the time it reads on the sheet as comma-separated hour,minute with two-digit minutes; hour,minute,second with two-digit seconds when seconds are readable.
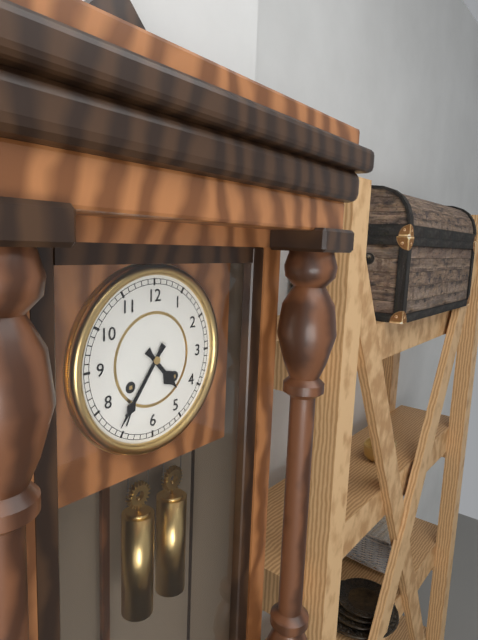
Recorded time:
4,36
